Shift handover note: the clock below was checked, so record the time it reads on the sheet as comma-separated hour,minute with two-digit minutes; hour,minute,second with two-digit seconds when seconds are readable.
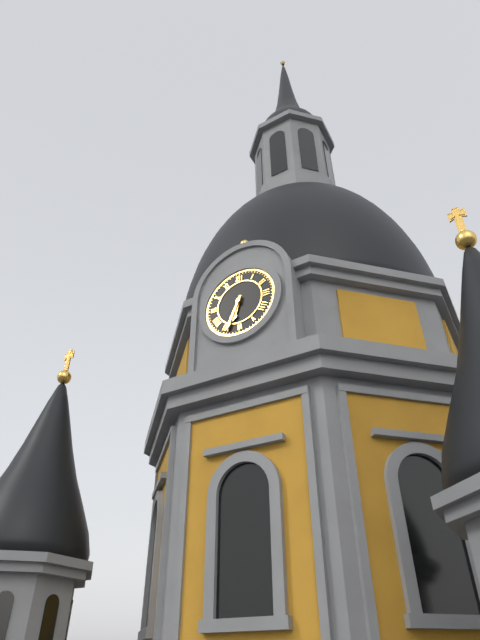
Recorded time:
6,34
